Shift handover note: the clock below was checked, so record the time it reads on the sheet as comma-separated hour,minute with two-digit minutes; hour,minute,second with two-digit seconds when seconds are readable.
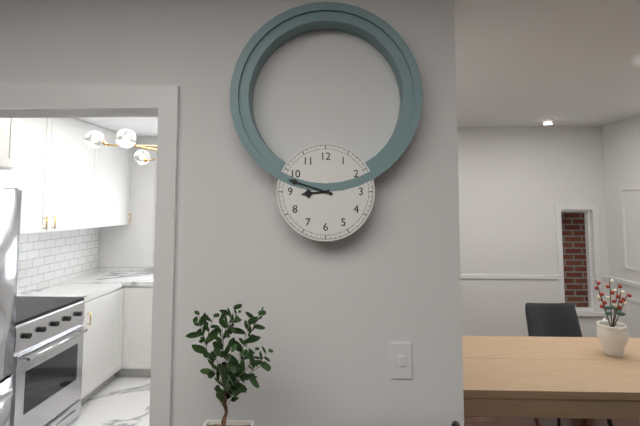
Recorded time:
8,48
